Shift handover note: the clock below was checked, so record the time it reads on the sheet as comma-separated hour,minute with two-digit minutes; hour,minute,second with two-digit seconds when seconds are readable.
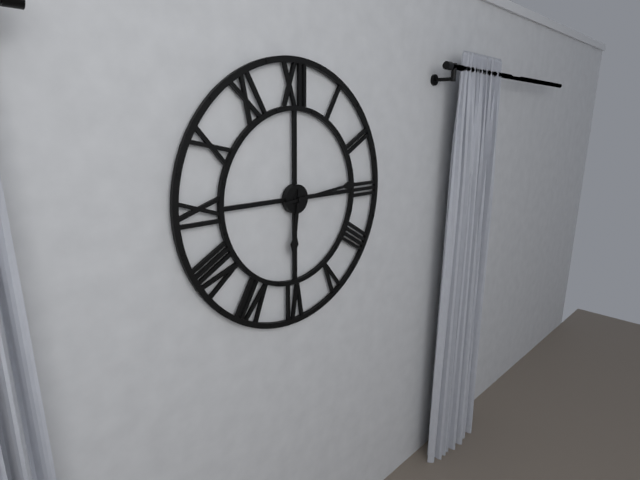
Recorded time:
6,14
